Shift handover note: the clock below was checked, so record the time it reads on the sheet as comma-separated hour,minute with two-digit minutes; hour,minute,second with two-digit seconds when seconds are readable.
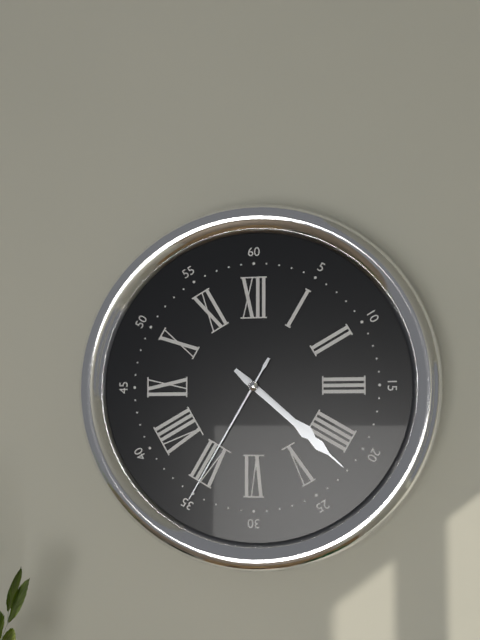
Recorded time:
4,22,35
